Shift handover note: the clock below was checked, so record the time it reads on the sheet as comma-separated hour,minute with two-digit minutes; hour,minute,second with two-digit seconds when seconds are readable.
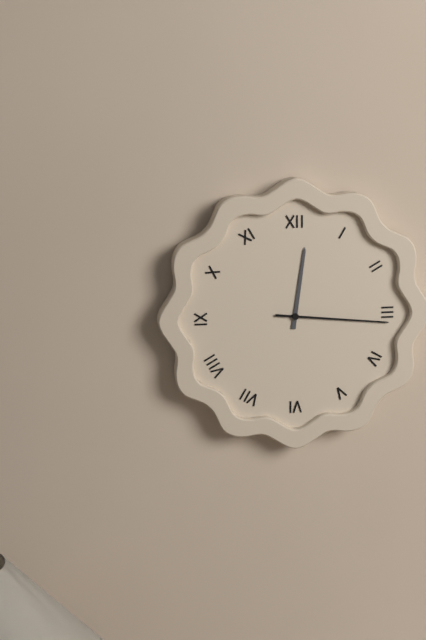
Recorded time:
12,16
